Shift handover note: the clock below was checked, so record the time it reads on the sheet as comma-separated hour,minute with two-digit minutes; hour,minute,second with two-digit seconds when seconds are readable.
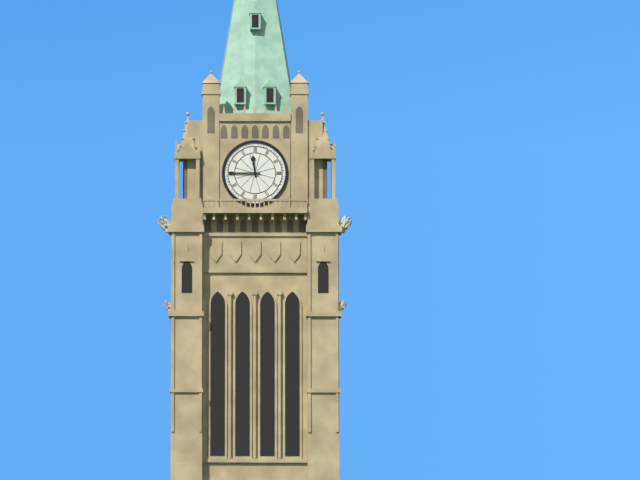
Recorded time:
11,45
